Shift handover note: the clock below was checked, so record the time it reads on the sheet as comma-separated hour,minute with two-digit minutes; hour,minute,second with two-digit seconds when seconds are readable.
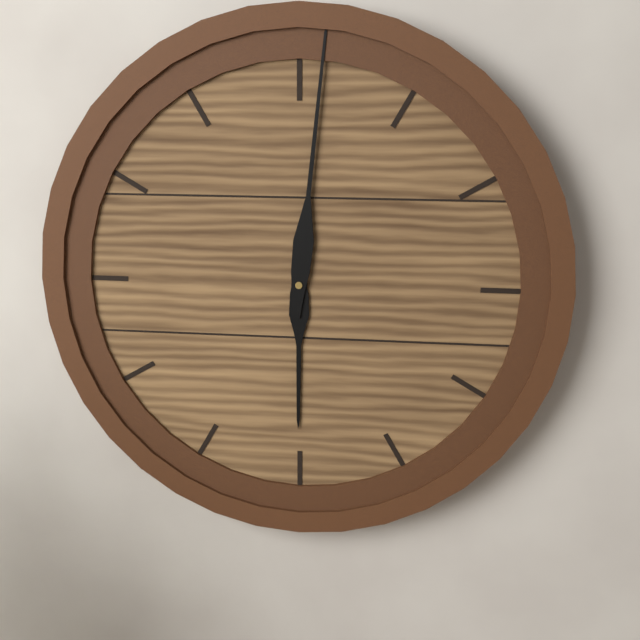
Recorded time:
6,01
